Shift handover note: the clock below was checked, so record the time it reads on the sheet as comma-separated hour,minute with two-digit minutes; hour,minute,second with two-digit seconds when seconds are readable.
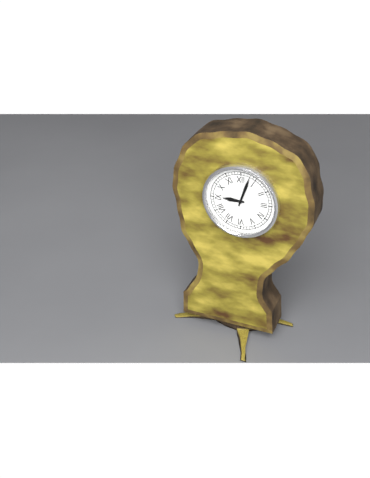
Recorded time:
9,03
